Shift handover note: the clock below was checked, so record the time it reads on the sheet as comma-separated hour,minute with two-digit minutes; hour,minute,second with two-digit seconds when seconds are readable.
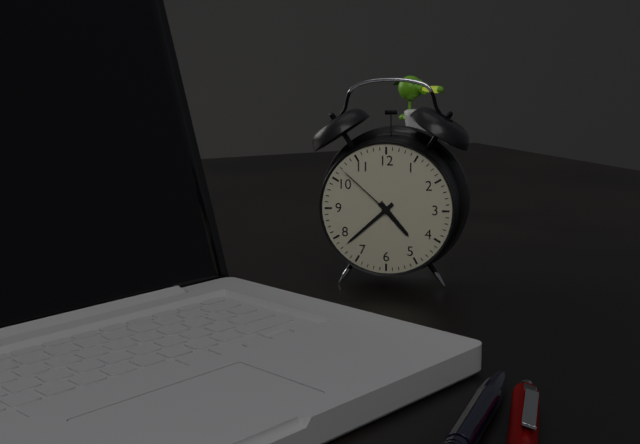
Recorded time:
4,38,52
